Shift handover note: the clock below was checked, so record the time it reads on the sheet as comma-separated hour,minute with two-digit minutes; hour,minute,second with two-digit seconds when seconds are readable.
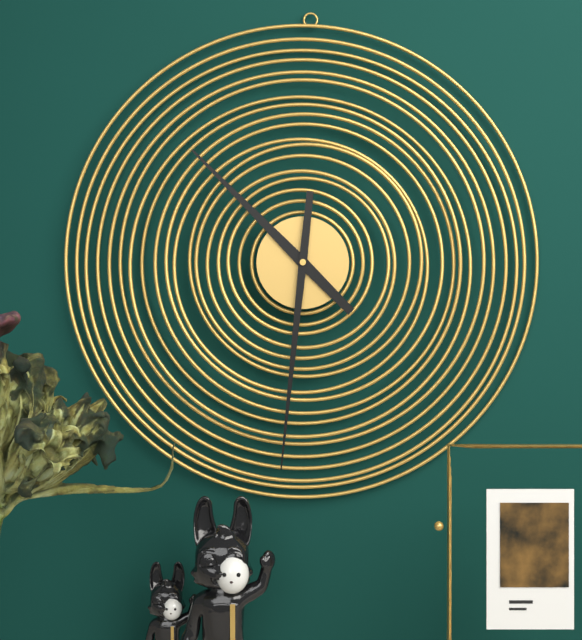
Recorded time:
10,31
